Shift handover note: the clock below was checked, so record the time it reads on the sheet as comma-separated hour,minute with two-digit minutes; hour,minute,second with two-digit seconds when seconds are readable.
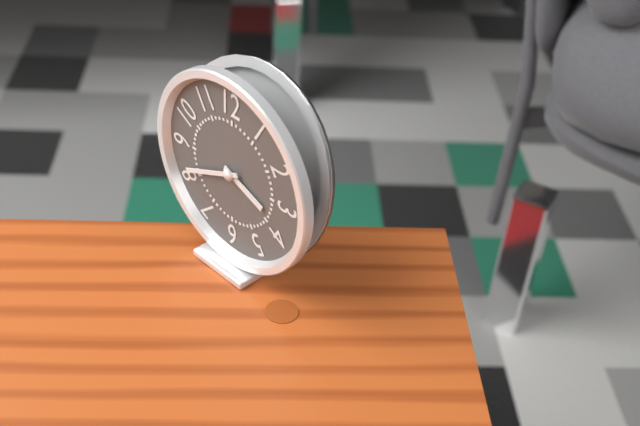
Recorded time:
3,41
